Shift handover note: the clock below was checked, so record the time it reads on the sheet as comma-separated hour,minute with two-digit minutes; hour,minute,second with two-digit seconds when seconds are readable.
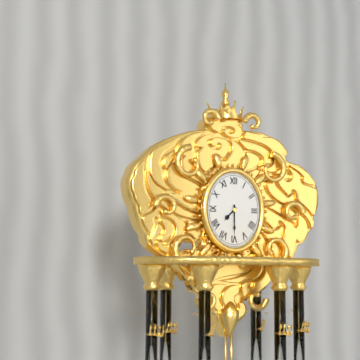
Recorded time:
7,30
